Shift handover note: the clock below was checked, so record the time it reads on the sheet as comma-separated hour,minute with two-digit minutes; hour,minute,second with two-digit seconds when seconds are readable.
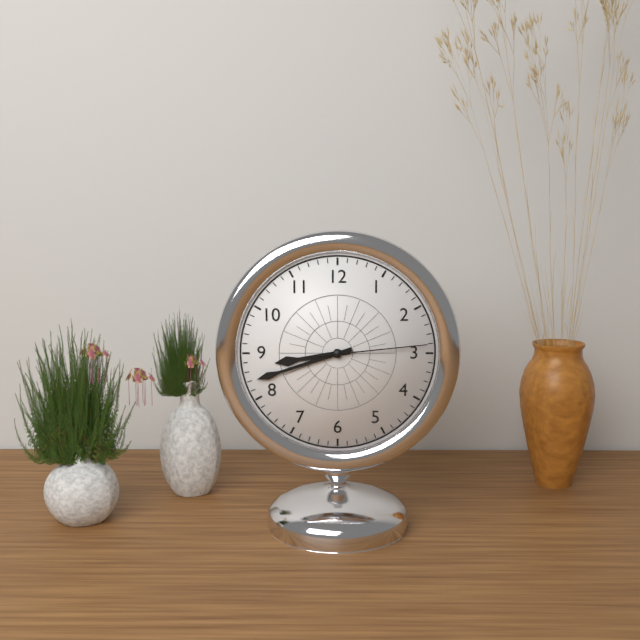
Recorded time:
8,42,14
